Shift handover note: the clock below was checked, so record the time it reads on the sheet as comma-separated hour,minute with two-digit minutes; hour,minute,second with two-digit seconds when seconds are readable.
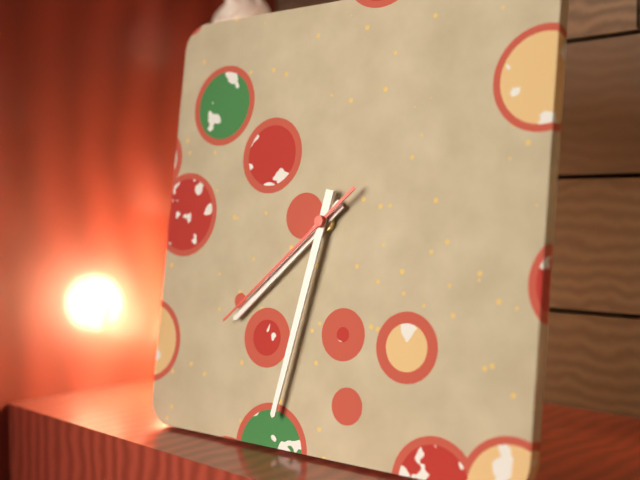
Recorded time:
7,32,38
